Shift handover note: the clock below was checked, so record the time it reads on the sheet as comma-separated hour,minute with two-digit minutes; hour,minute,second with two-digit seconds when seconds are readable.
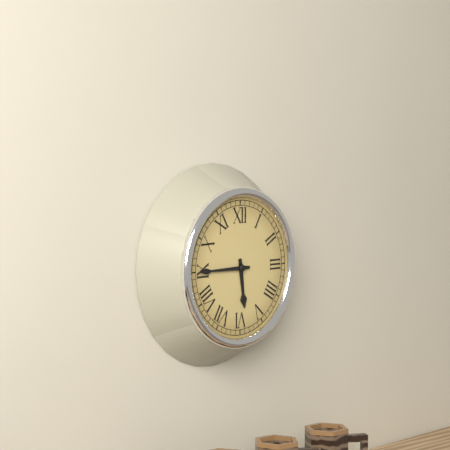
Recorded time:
5,45
